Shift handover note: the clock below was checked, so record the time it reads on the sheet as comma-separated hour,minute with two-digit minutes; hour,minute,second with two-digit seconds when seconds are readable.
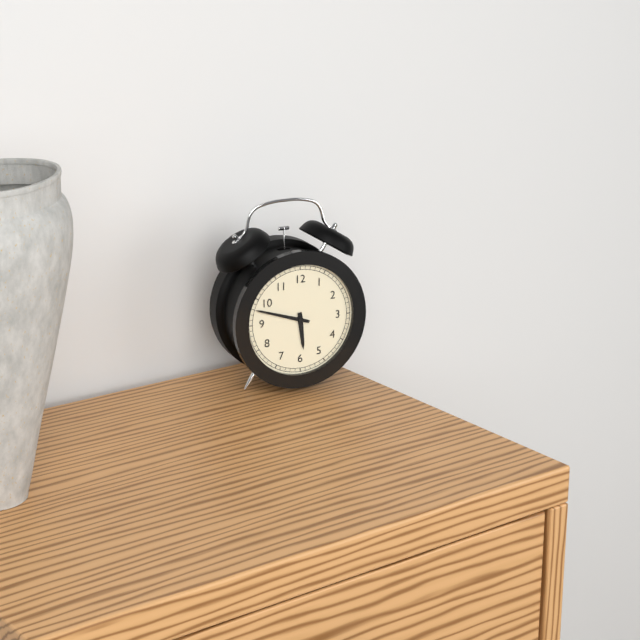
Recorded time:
5,48
